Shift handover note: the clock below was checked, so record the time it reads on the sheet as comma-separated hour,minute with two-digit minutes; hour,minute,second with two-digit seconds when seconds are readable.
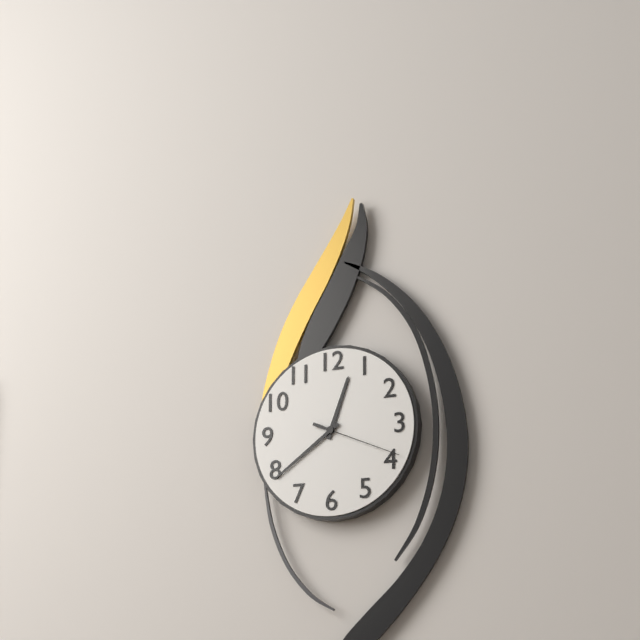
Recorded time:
12,39,19
